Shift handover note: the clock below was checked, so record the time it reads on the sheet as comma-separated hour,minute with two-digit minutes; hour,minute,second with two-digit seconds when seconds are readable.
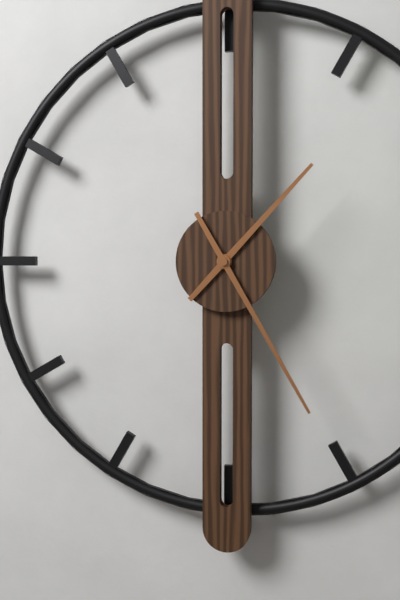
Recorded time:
1,25
